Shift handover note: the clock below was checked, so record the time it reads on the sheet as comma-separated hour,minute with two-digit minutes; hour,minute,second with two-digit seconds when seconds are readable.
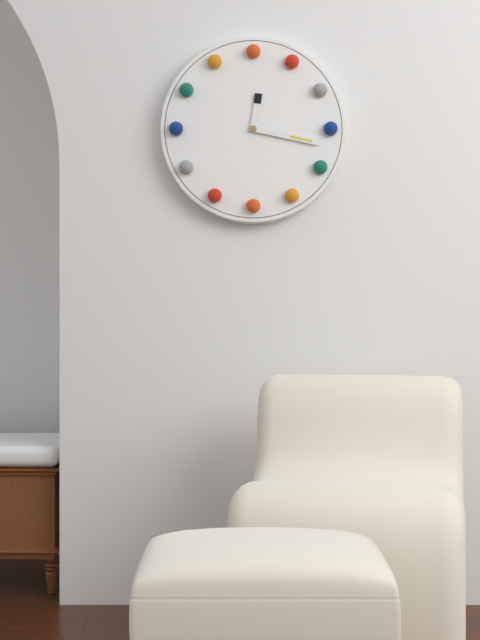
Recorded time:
12,17
